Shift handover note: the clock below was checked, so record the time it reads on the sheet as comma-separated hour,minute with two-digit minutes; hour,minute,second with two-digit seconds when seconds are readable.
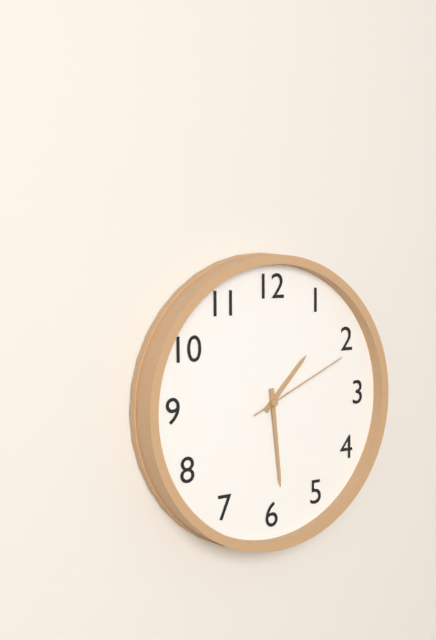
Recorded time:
1,29,11
